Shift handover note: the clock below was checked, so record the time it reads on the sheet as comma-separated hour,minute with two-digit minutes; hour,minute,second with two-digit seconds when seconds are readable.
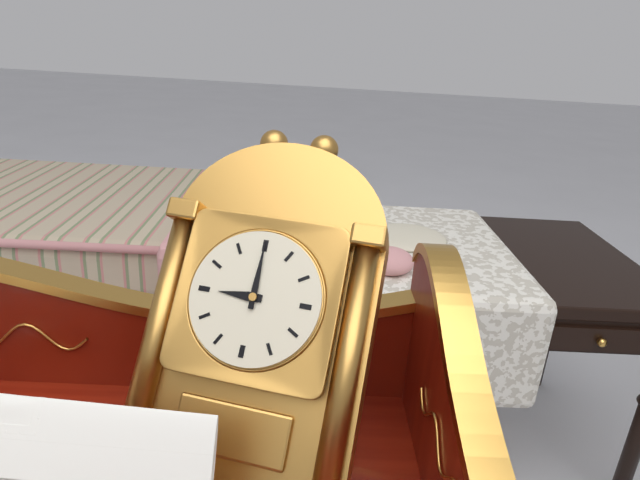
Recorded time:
9,00
